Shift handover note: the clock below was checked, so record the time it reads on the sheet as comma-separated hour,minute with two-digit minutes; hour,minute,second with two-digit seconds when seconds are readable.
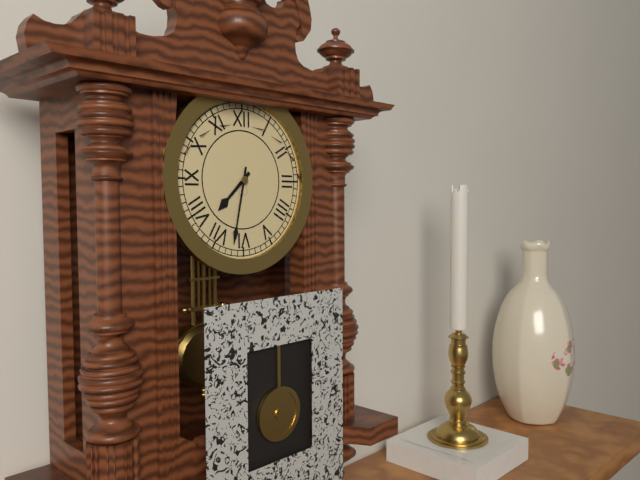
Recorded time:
7,32
